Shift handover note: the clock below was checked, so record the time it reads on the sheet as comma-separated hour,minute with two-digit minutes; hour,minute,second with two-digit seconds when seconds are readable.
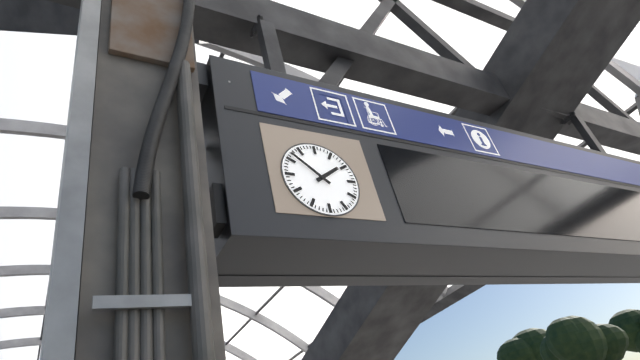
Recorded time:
1,52
